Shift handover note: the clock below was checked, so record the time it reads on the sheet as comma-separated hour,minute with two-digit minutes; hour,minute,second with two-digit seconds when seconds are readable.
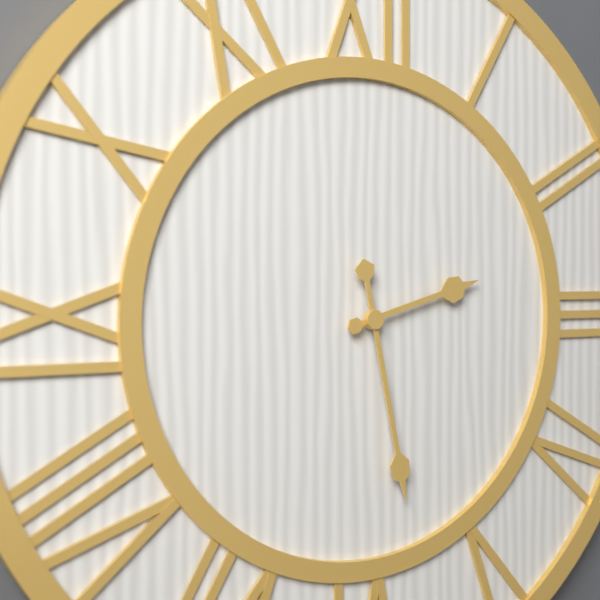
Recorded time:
2,28
